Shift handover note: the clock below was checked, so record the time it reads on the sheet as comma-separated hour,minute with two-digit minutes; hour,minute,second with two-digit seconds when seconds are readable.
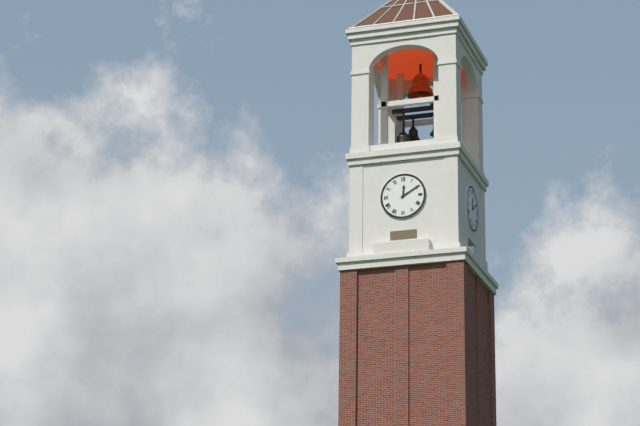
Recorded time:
12,10
